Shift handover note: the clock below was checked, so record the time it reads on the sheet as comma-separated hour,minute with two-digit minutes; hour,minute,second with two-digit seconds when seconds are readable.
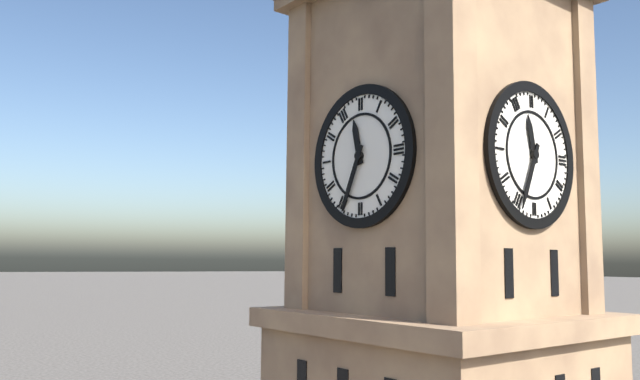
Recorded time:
11,34
